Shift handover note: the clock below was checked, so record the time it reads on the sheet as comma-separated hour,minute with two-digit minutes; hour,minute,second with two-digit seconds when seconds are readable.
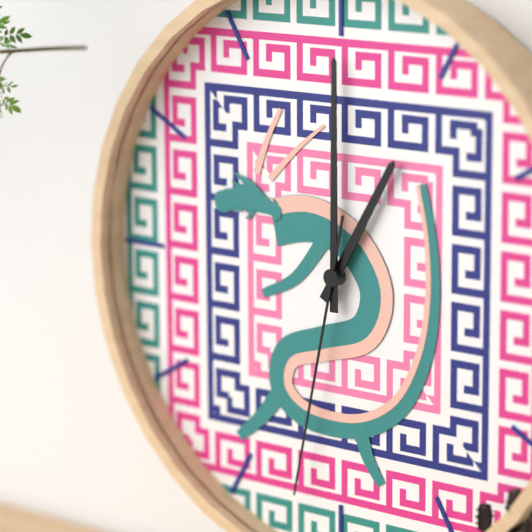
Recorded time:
1,00,32
